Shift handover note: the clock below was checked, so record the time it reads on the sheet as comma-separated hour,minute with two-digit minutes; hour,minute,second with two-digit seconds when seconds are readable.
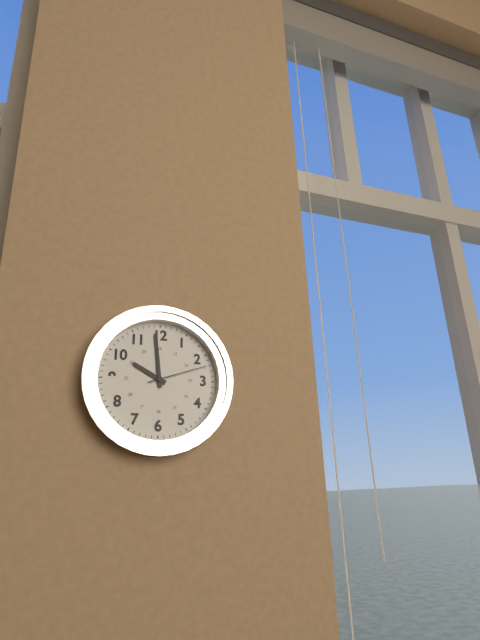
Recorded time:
9,59,12
